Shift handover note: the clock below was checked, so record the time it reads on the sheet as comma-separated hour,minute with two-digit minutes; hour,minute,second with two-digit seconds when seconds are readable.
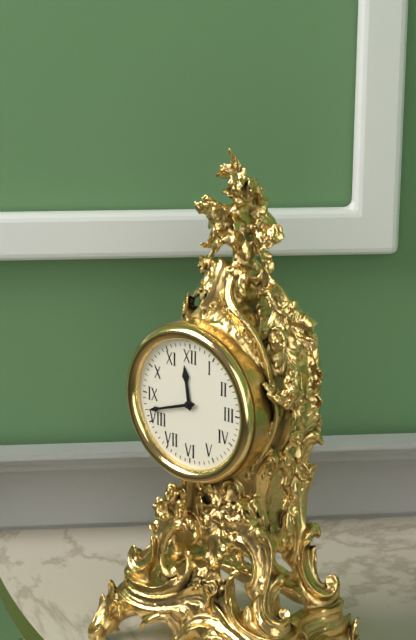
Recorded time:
11,42
